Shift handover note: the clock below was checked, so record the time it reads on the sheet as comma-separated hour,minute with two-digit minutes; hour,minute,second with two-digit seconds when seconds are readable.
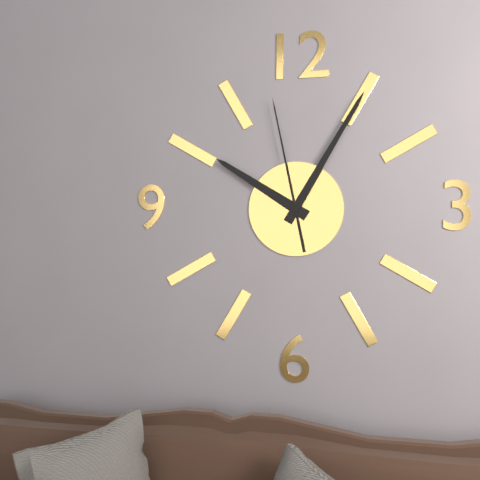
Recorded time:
10,05,58
